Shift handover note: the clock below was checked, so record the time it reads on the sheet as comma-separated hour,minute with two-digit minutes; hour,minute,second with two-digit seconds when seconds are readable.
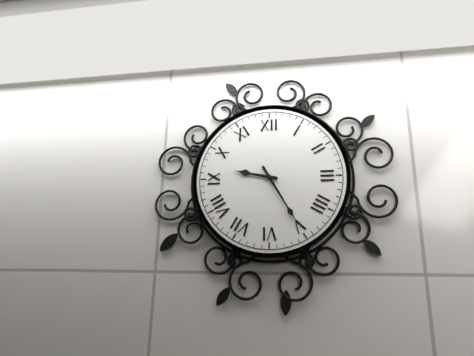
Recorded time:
9,25
